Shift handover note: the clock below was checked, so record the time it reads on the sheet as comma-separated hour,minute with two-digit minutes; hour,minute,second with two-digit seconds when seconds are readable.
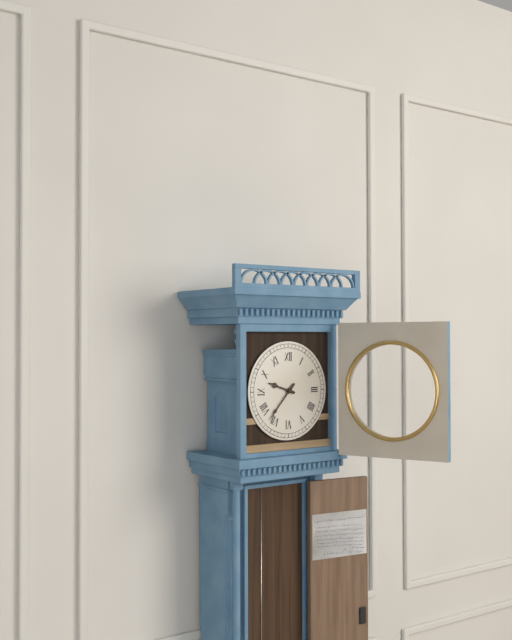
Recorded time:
9,37
